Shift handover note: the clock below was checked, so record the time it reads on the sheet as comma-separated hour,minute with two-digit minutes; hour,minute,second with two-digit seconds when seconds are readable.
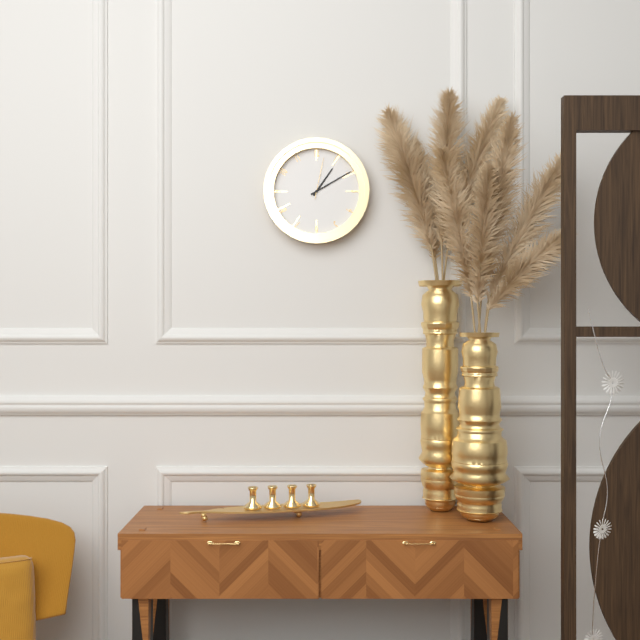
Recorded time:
1,10
